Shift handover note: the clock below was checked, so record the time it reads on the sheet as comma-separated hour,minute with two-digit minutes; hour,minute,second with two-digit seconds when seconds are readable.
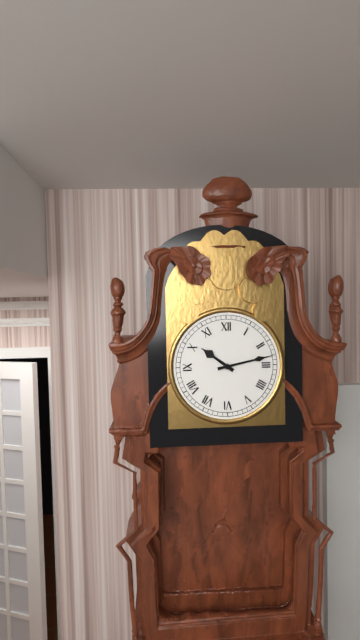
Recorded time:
10,13
